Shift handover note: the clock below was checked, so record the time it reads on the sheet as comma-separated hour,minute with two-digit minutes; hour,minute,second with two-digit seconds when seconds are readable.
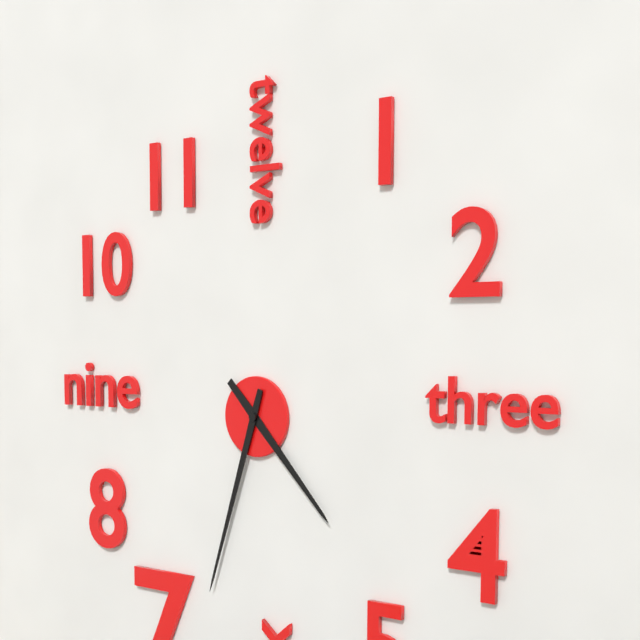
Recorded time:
4,33
